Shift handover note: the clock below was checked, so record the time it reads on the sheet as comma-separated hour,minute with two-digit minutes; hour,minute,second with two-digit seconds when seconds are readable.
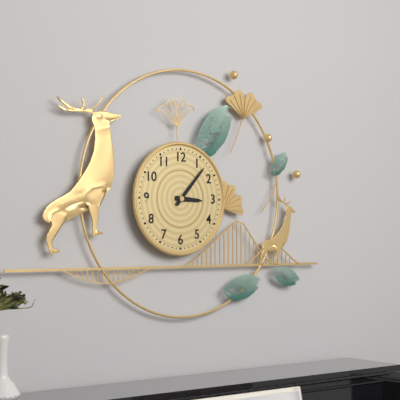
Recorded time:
3,07
